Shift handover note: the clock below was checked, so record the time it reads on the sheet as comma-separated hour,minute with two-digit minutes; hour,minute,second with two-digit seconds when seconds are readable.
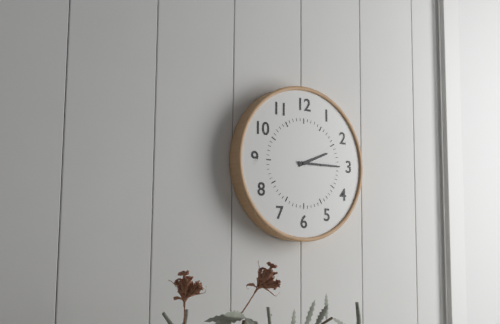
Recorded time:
2,15
